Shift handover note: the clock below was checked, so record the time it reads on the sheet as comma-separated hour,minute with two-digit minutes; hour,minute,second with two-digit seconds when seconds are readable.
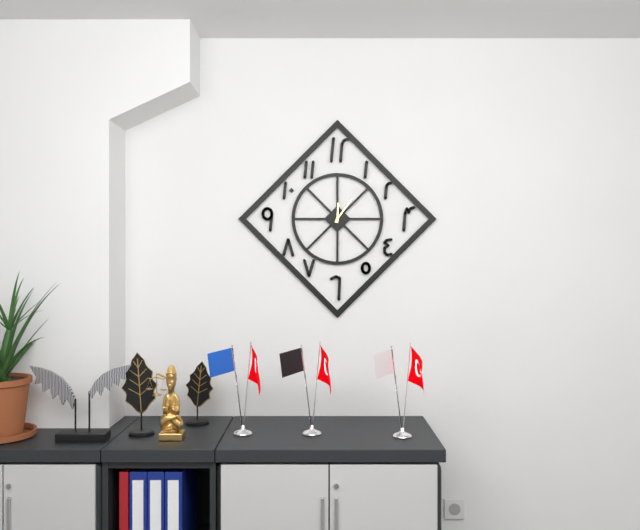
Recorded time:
12,06
